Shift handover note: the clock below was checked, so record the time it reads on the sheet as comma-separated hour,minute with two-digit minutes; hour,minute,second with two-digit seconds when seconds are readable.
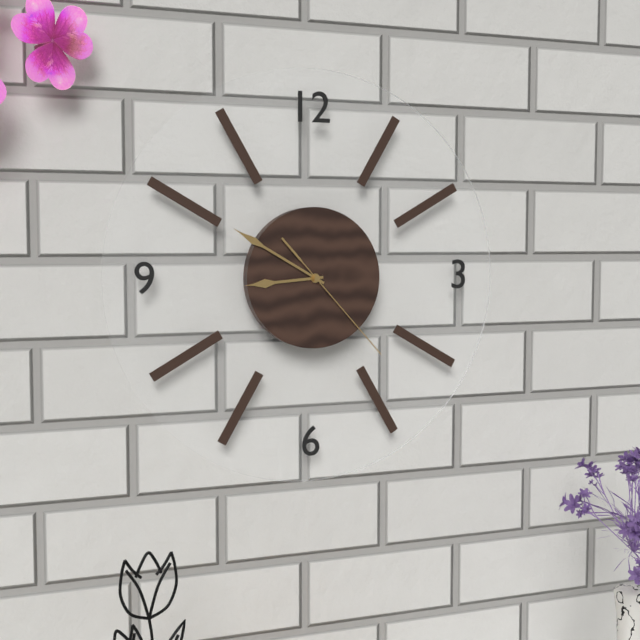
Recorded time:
8,50,23
